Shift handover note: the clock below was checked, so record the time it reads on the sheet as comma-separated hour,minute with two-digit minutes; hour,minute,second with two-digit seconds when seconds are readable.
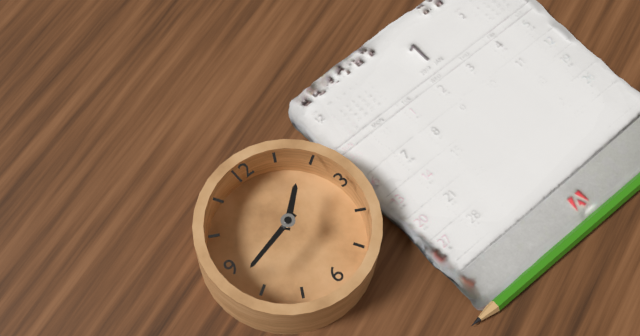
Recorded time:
1,43
